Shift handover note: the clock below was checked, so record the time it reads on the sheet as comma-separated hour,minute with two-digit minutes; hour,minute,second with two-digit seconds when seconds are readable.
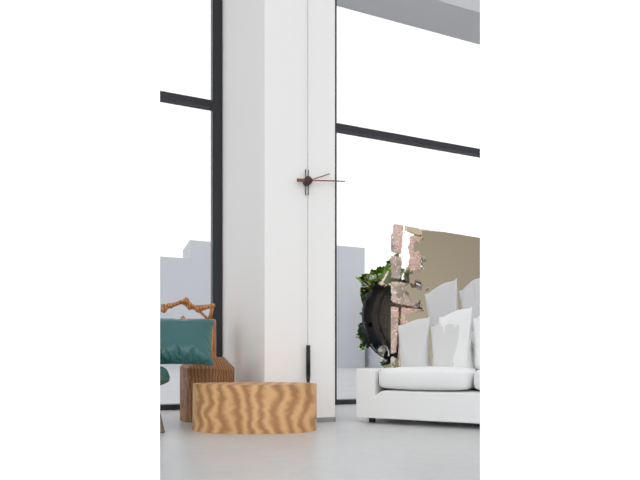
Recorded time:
2,14
